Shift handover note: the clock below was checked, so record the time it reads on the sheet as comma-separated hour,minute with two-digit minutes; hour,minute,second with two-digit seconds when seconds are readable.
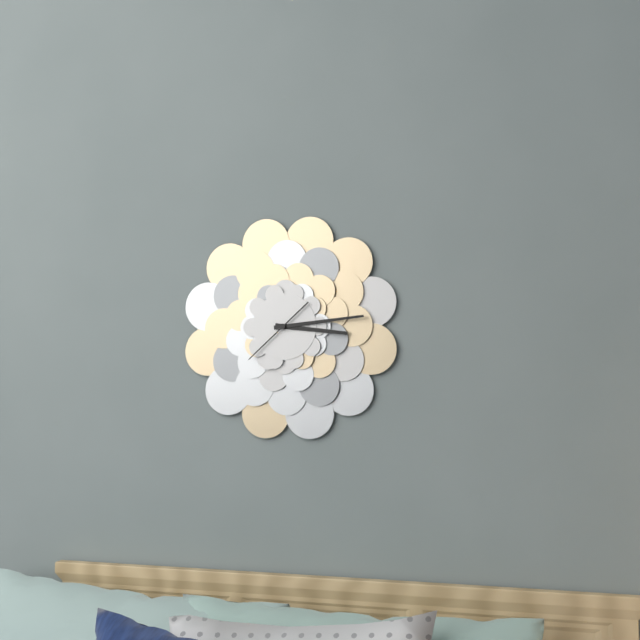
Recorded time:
3,14,38
